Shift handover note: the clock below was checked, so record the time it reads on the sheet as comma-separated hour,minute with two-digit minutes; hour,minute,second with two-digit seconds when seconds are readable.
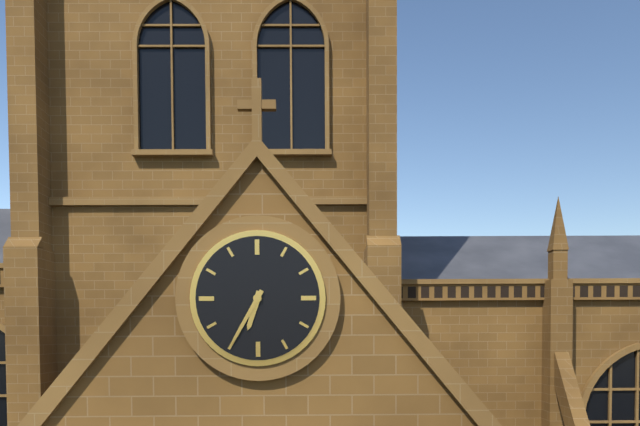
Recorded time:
6,35
